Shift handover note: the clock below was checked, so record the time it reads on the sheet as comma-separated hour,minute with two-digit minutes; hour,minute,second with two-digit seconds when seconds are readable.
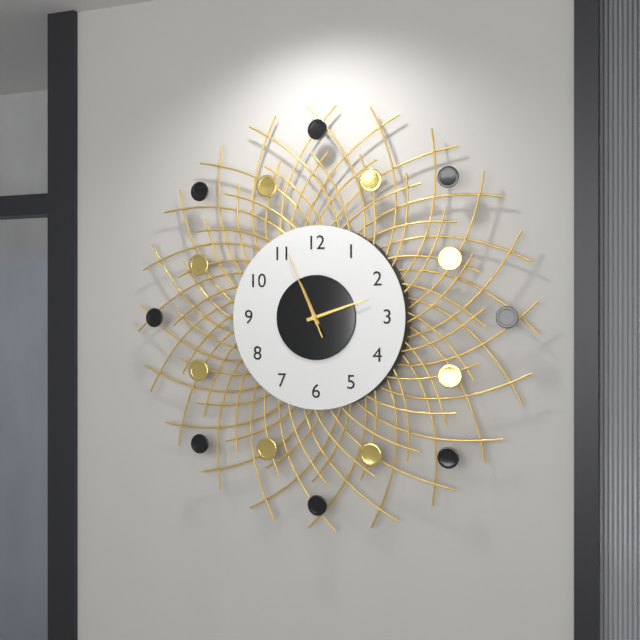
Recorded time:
11,12,56
